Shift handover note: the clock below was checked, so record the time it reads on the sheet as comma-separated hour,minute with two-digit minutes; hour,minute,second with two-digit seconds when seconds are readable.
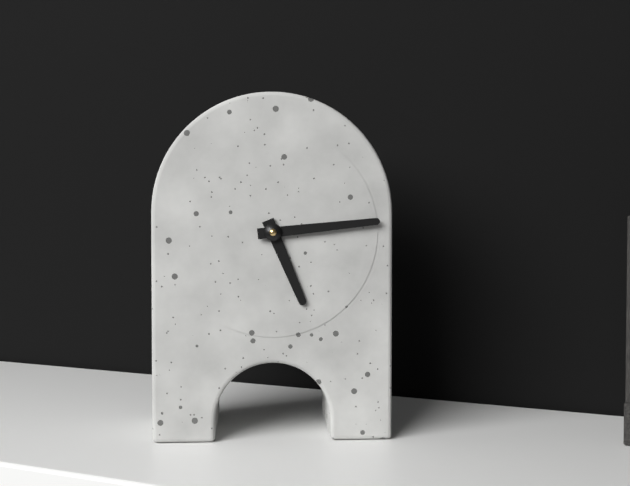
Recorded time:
5,14
